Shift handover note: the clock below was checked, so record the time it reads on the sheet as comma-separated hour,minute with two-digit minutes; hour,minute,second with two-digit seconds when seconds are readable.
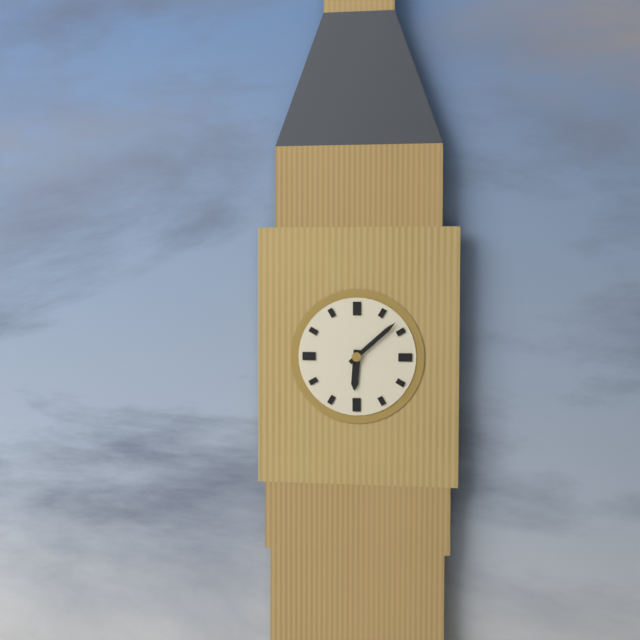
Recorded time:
6,08
